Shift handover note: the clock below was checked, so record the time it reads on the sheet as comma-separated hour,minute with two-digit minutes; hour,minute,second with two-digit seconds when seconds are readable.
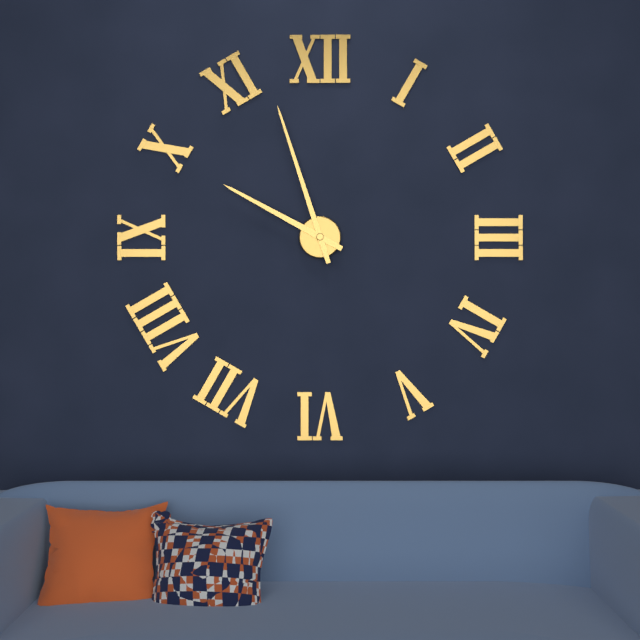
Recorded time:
9,57
